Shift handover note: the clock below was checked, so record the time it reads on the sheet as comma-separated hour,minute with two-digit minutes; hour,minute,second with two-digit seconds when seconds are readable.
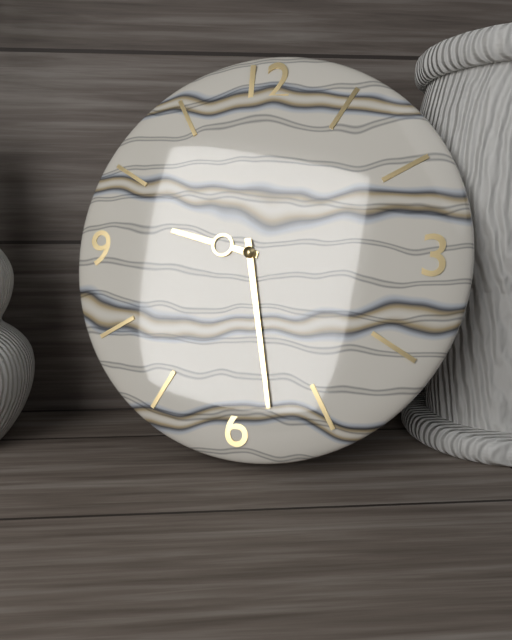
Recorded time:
9,28
